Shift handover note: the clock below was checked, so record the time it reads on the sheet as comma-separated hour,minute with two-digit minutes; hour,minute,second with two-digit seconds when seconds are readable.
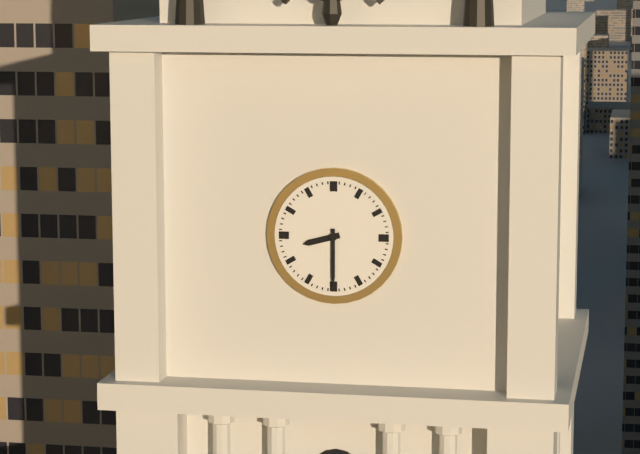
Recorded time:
8,30
